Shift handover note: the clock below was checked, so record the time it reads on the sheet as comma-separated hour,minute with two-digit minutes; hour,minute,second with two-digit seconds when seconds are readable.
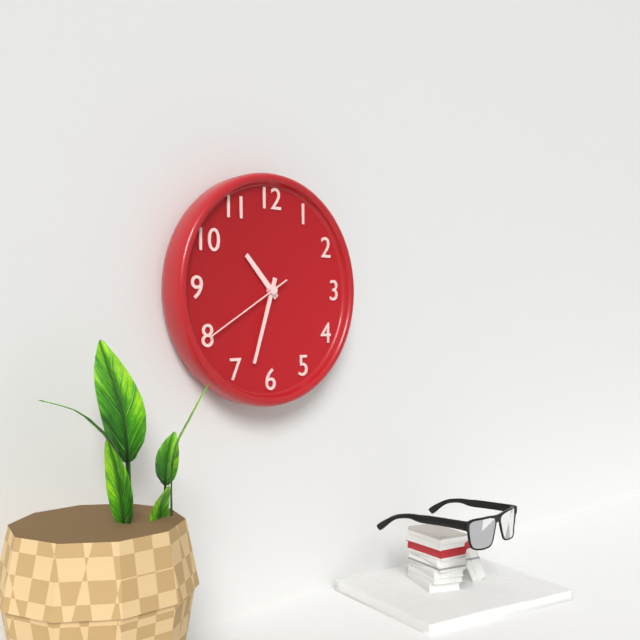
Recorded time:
10,33,40
